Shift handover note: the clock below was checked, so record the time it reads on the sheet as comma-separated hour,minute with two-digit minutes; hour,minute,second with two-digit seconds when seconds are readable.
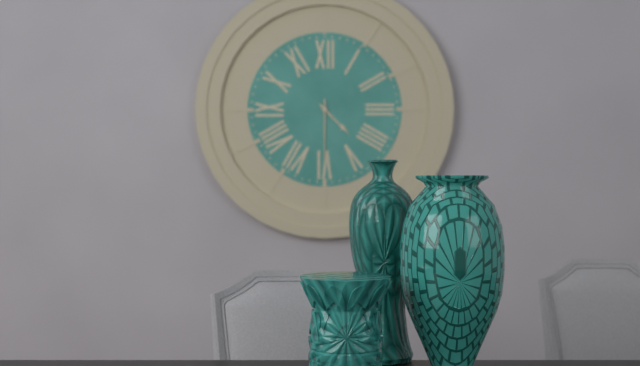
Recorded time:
4,30
